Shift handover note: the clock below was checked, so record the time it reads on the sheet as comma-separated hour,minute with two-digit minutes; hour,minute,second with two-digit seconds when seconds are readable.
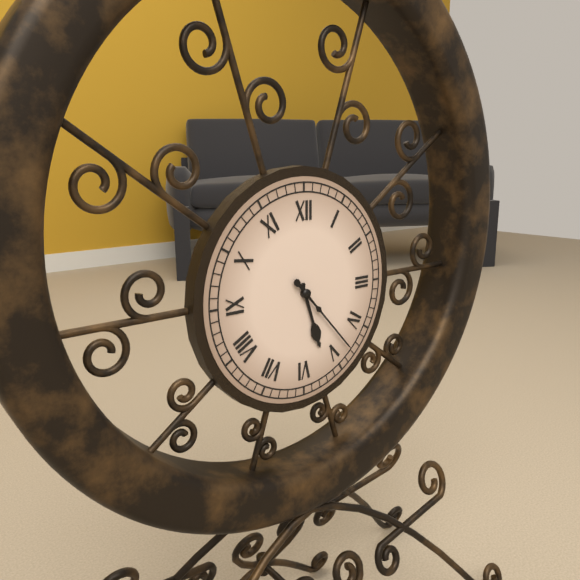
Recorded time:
5,23
